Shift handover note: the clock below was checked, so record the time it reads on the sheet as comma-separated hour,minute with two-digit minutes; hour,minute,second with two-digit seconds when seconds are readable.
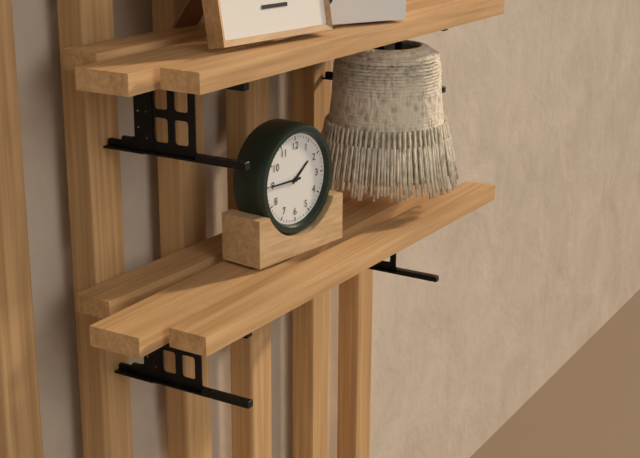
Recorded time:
1,45
